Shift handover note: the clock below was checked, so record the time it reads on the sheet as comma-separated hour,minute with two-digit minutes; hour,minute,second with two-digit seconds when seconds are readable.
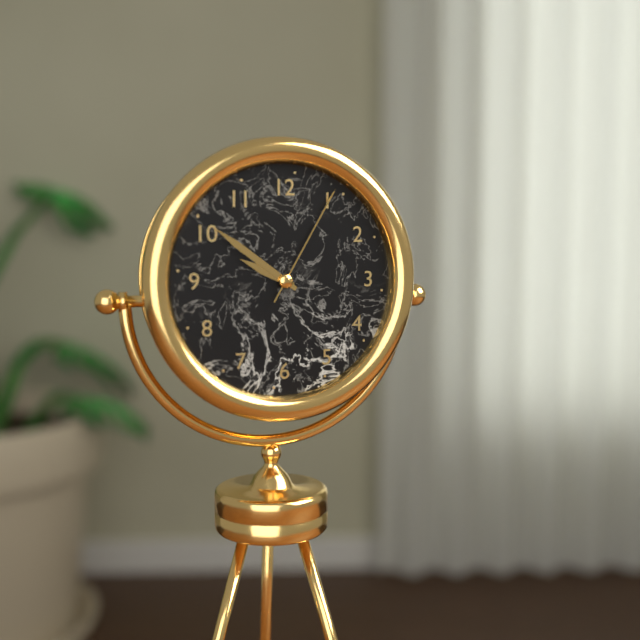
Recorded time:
9,51,05
